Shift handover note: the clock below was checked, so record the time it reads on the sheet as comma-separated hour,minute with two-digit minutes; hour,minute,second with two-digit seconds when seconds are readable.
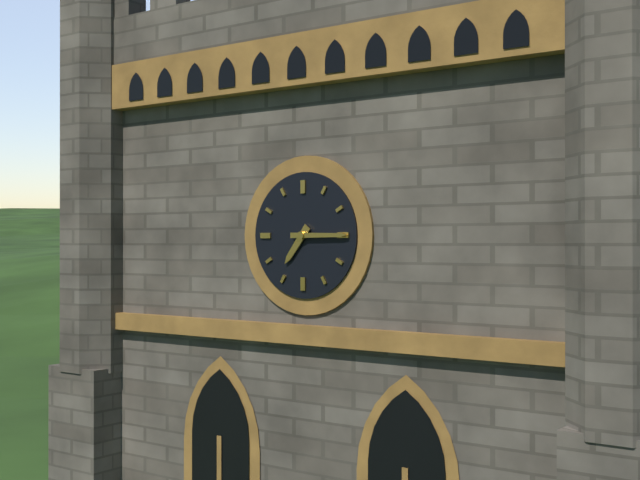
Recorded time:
7,15
